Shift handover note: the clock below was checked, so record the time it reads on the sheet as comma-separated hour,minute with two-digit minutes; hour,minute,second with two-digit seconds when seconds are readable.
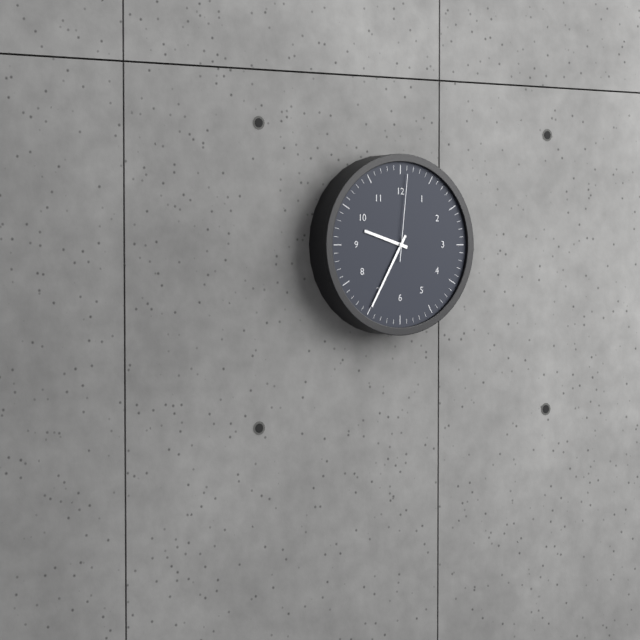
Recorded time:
9,35,01
